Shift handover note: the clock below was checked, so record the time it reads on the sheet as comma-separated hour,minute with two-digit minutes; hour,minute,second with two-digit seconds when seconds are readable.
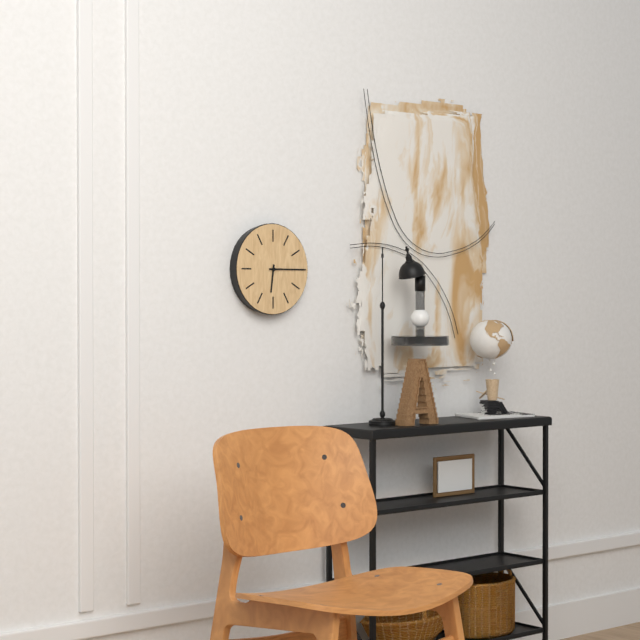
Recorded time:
6,15
